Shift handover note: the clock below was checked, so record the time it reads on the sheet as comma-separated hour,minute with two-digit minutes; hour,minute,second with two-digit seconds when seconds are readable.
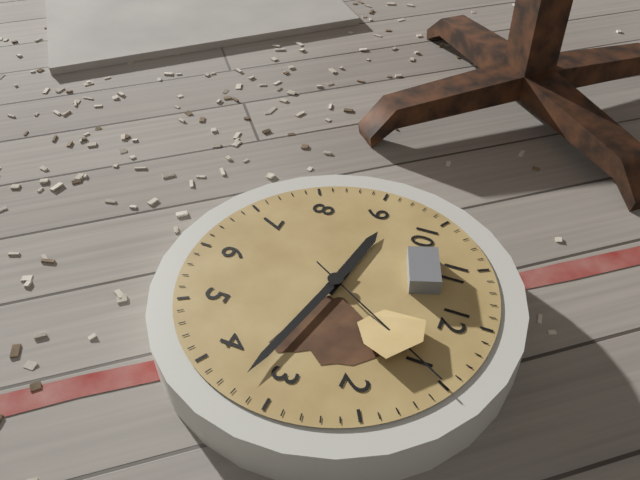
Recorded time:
9,17,05
